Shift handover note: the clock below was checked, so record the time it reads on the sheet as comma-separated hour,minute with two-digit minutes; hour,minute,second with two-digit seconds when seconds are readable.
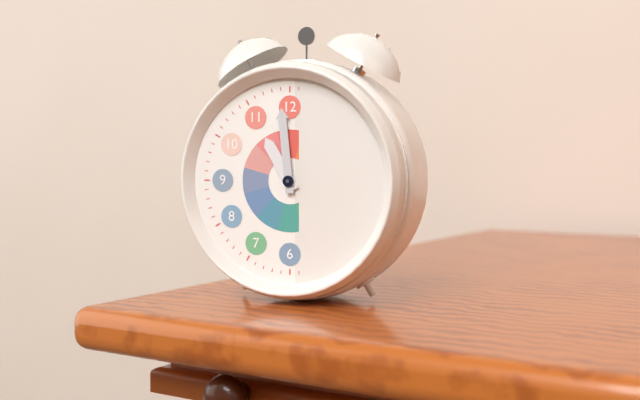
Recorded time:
10,59
